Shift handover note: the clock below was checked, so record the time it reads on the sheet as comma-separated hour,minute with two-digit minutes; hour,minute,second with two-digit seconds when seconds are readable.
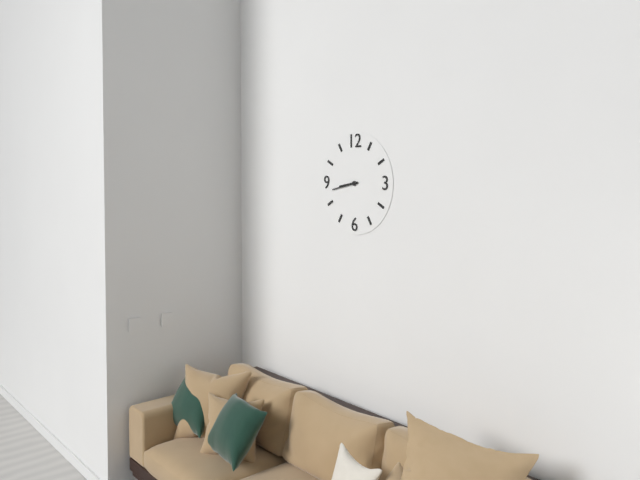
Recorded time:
8,43
